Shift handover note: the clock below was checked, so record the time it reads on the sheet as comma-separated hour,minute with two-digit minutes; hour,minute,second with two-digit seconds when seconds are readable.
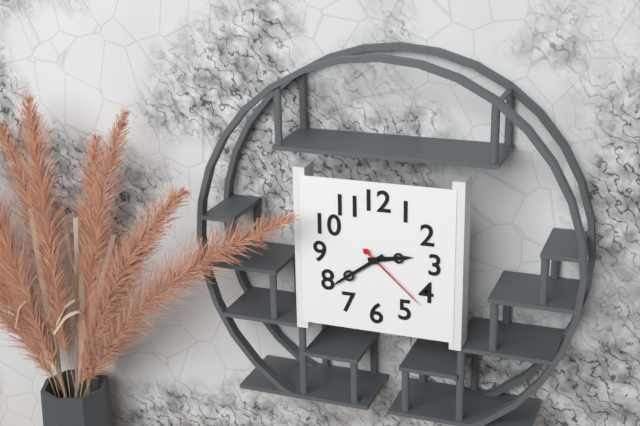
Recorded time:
2,39,22
